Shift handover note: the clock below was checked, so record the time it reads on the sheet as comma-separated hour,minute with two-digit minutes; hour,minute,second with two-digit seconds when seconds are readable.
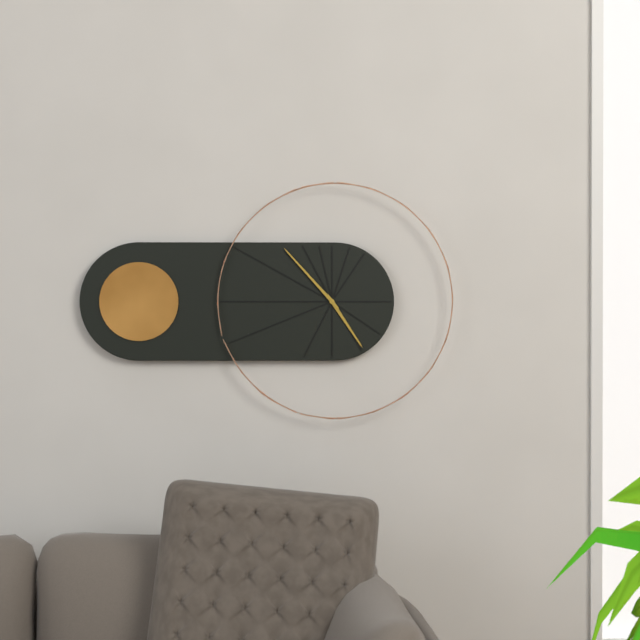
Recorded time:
4,53
